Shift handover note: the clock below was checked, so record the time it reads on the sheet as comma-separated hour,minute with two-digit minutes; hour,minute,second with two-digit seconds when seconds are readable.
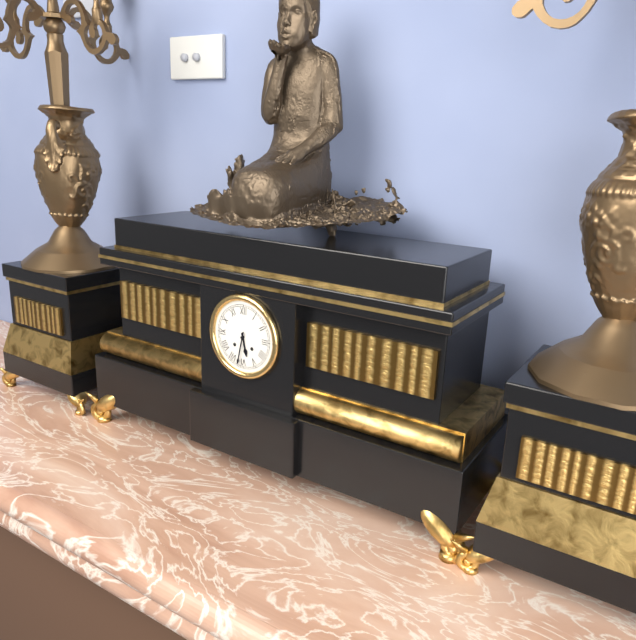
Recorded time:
5,32
